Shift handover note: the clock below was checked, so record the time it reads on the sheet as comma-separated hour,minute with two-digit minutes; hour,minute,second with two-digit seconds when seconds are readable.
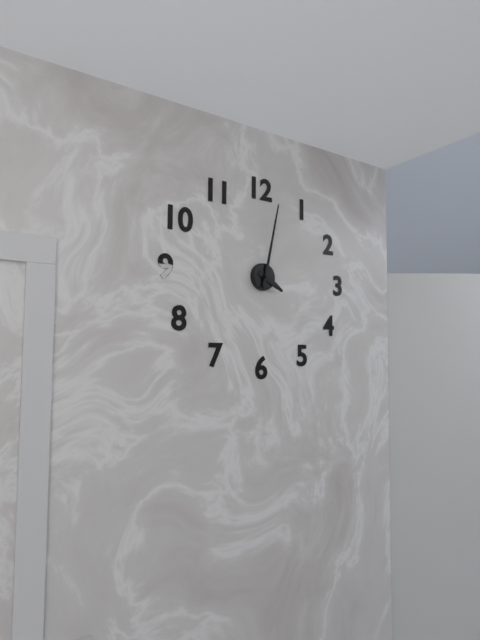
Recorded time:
4,02
